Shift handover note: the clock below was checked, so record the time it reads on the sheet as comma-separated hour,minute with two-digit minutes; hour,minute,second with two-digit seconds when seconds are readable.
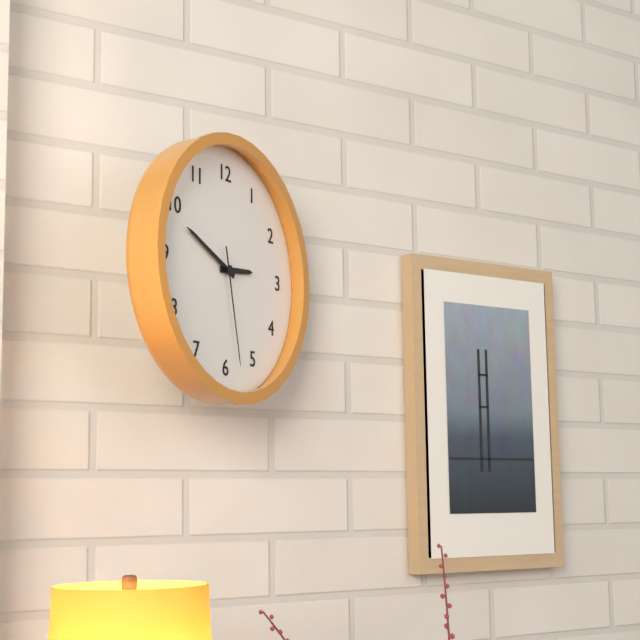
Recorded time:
2,49,28
